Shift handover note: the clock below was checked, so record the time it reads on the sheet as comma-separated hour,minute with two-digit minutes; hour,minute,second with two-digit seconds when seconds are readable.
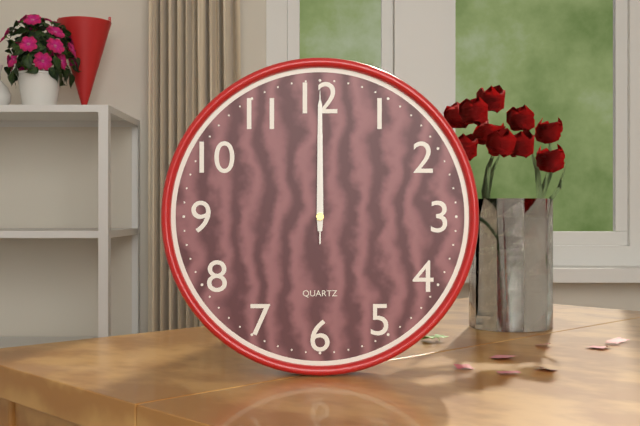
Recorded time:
12,00,00
